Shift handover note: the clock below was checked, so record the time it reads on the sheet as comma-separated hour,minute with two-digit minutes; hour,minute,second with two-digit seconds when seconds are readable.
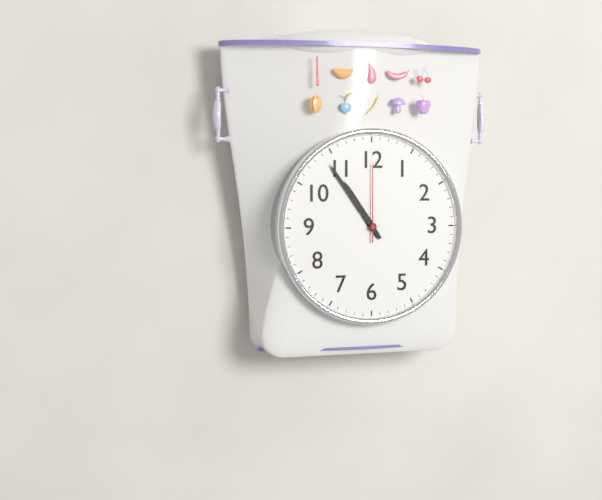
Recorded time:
10,54,00
